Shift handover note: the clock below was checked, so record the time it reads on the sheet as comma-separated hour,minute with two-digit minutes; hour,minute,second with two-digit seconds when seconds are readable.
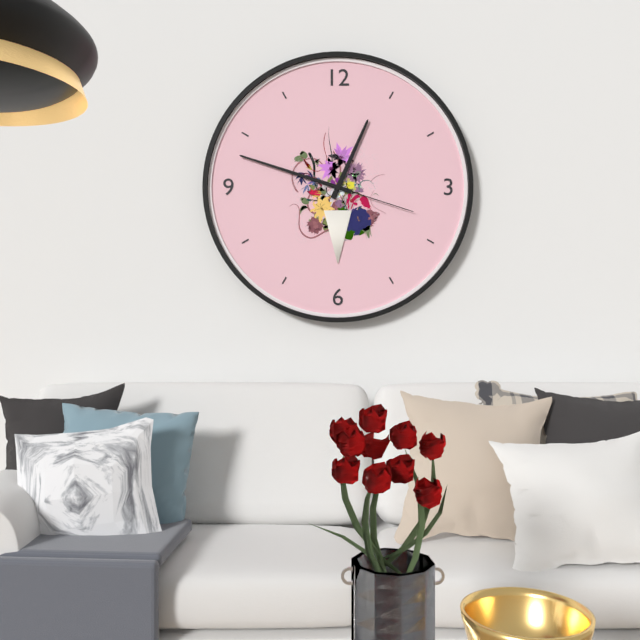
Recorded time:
12,48,18
